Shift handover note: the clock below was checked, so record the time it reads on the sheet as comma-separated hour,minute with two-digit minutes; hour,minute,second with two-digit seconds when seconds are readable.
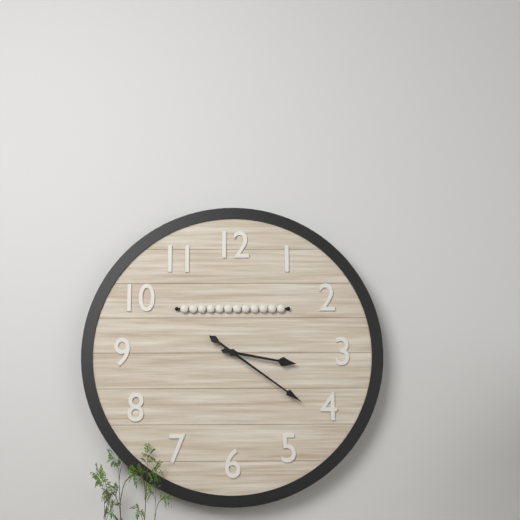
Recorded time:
3,21
